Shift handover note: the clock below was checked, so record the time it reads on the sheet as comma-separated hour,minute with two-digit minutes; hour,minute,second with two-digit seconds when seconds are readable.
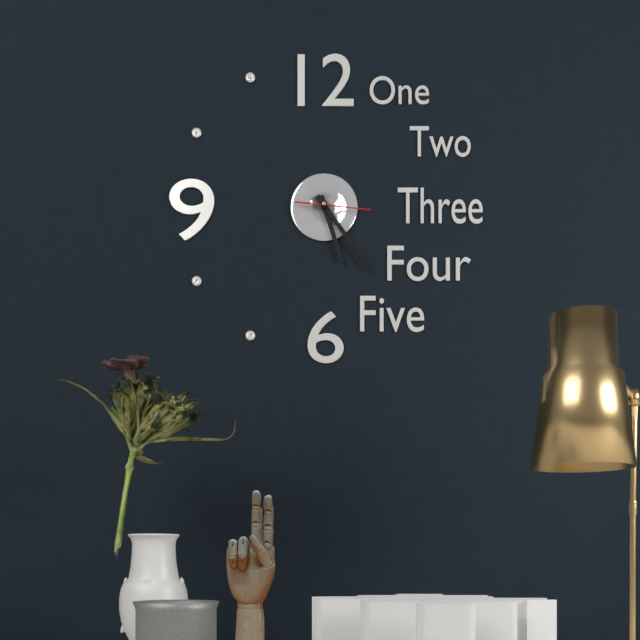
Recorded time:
5,24,16
